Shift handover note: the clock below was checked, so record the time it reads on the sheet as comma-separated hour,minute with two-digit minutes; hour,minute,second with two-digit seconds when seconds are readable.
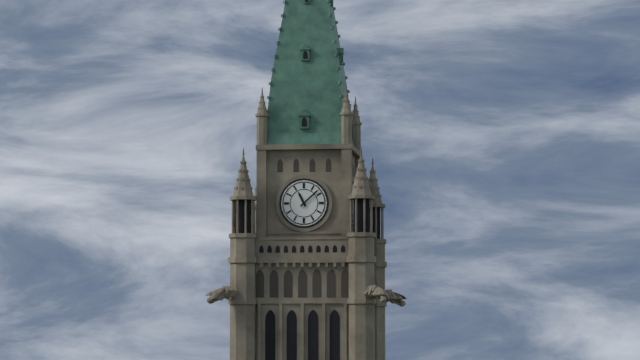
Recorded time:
11,08
